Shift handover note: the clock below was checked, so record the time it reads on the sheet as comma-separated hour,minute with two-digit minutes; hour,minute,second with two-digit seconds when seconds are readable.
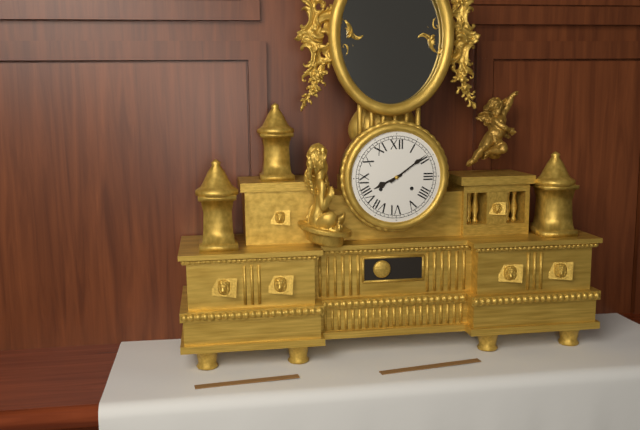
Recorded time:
8,09
